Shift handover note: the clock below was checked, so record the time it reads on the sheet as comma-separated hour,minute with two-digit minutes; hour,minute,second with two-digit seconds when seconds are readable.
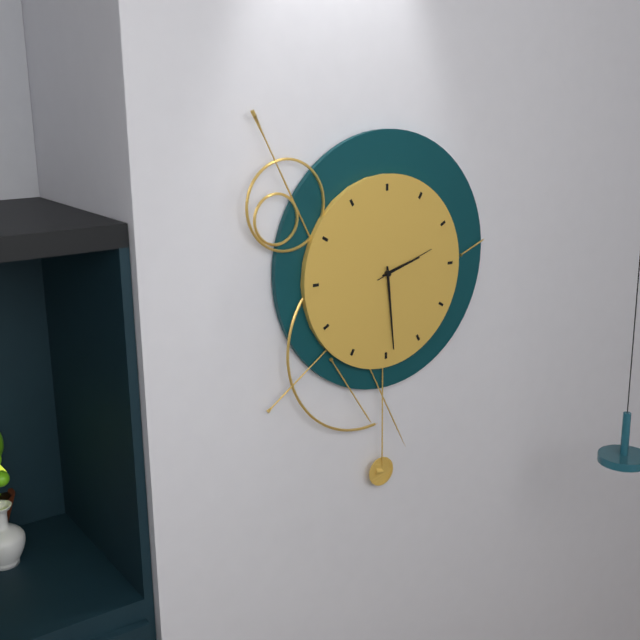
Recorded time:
2,29,12
